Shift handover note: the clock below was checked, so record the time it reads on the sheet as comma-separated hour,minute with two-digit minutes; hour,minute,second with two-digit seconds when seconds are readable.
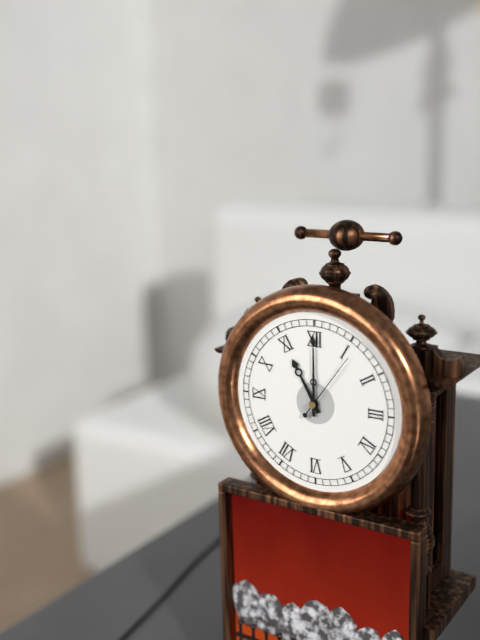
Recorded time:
11,00,06
